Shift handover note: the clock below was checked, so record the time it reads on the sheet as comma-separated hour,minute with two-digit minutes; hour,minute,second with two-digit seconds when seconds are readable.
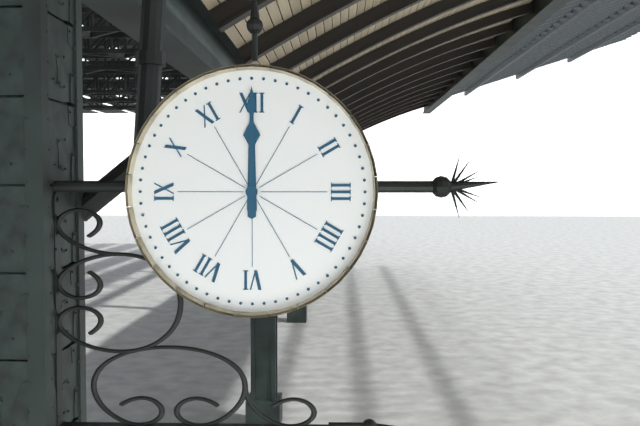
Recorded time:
12,00
